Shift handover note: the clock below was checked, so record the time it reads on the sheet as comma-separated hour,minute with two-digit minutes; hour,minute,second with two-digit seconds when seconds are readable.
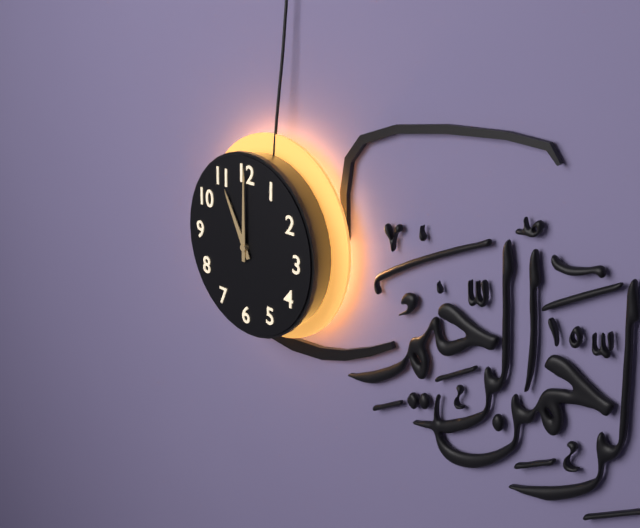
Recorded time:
11,00
